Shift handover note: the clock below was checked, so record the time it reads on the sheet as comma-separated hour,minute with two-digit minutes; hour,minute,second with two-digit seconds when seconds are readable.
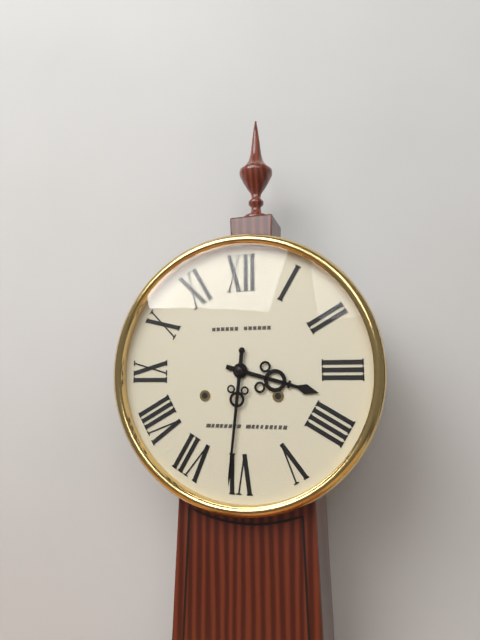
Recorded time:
3,31
